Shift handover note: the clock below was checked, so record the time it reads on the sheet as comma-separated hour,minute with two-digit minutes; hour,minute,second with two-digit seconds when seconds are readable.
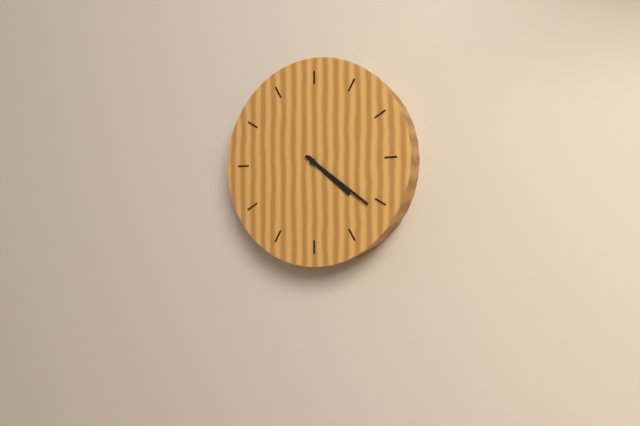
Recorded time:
4,21
